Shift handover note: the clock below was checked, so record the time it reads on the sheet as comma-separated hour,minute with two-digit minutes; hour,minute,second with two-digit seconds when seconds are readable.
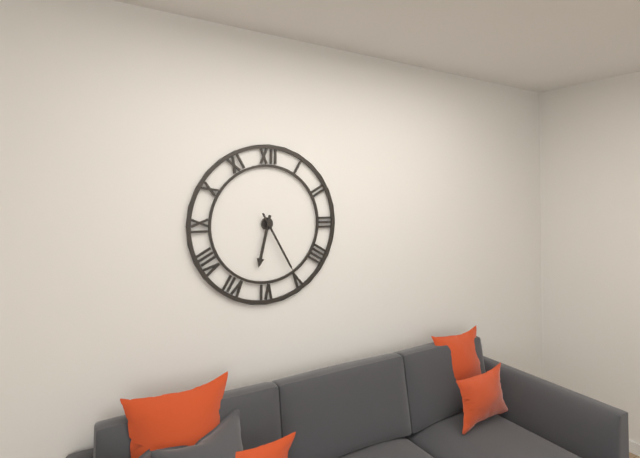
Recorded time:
6,25
